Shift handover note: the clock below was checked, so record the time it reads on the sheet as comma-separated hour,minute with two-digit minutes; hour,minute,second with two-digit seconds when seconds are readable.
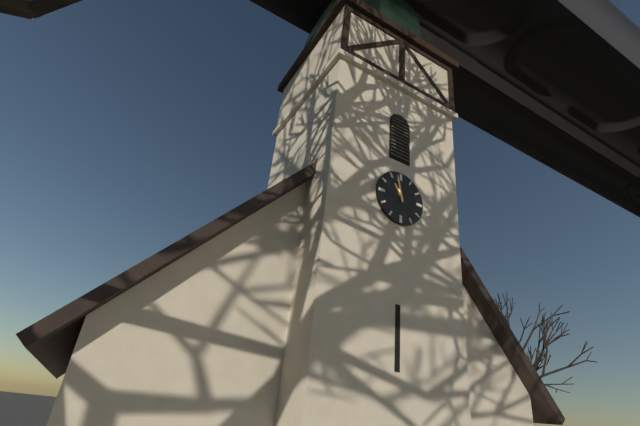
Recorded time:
10,58
